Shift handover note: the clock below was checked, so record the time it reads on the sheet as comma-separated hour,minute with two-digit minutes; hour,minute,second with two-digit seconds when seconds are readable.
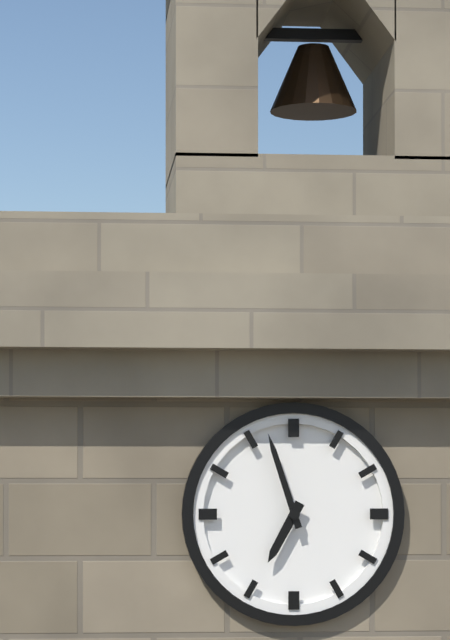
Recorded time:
6,57
